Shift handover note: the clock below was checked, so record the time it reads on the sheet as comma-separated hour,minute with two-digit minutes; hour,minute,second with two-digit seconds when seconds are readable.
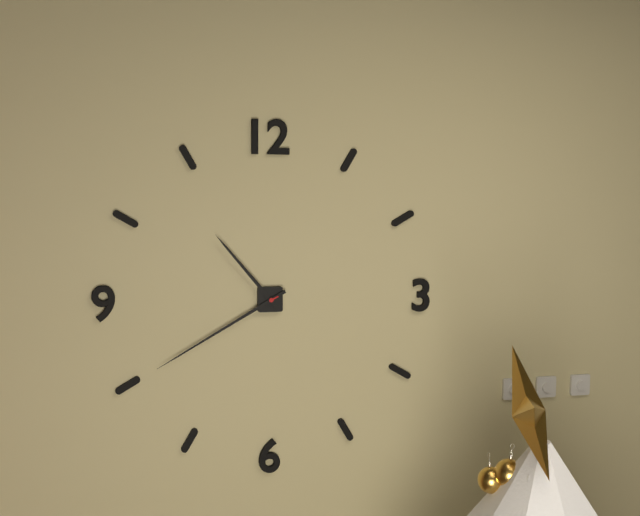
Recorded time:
10,40
